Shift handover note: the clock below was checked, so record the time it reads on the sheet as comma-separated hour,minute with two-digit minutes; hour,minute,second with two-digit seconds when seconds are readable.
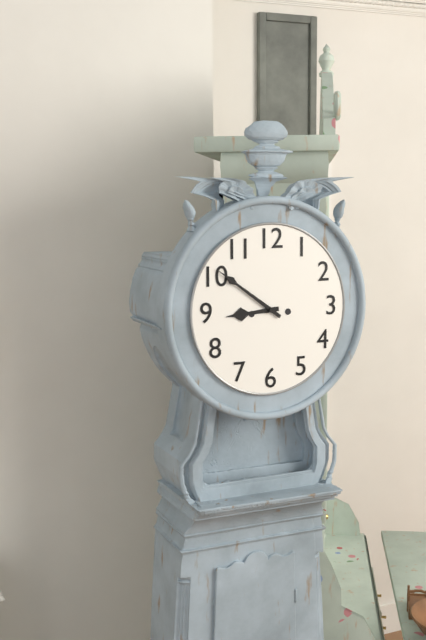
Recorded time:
8,51
